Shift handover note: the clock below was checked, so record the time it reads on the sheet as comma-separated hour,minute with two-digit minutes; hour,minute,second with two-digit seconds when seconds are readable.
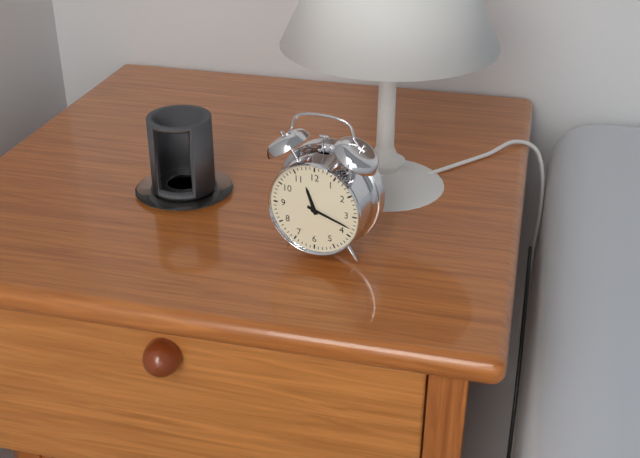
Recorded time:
11,18
